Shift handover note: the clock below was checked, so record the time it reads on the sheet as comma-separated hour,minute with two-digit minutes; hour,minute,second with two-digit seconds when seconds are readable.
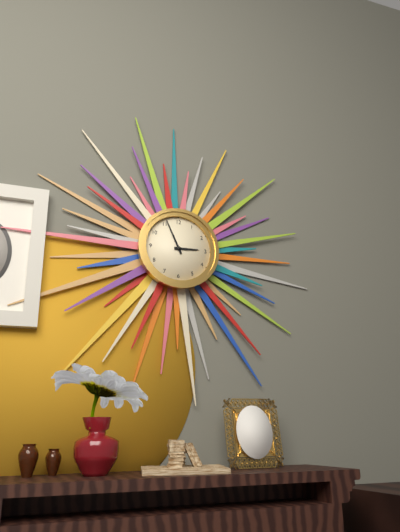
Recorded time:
2,56
